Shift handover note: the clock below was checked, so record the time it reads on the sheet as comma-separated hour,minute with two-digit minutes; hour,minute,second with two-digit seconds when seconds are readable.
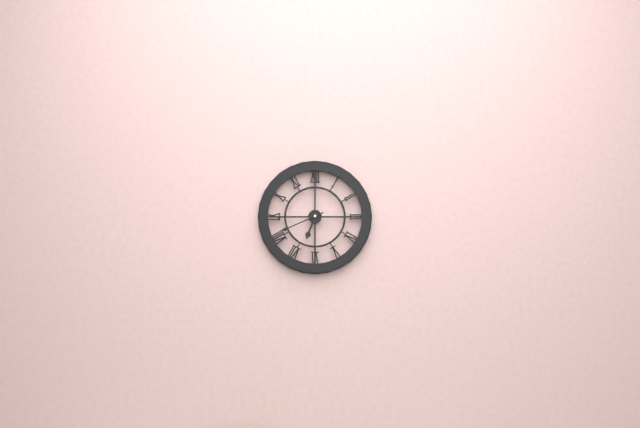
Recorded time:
6,41
